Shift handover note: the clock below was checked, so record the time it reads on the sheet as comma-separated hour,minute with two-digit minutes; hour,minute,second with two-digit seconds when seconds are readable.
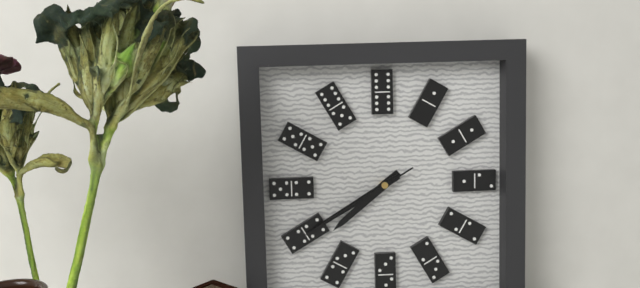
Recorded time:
7,40,40
